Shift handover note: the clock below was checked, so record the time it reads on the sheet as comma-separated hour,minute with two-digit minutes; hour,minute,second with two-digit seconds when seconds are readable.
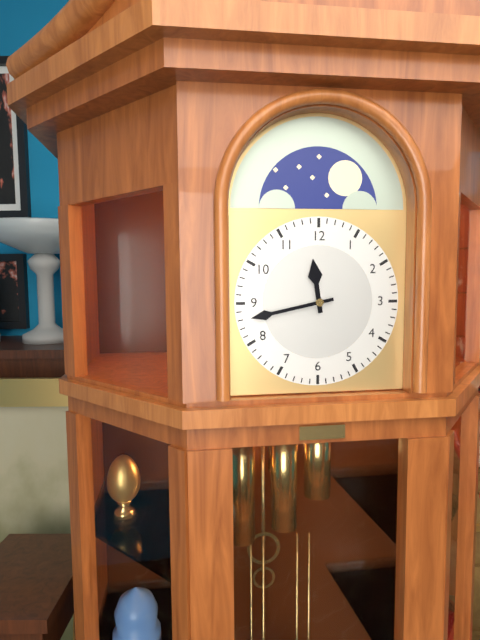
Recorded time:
11,43
